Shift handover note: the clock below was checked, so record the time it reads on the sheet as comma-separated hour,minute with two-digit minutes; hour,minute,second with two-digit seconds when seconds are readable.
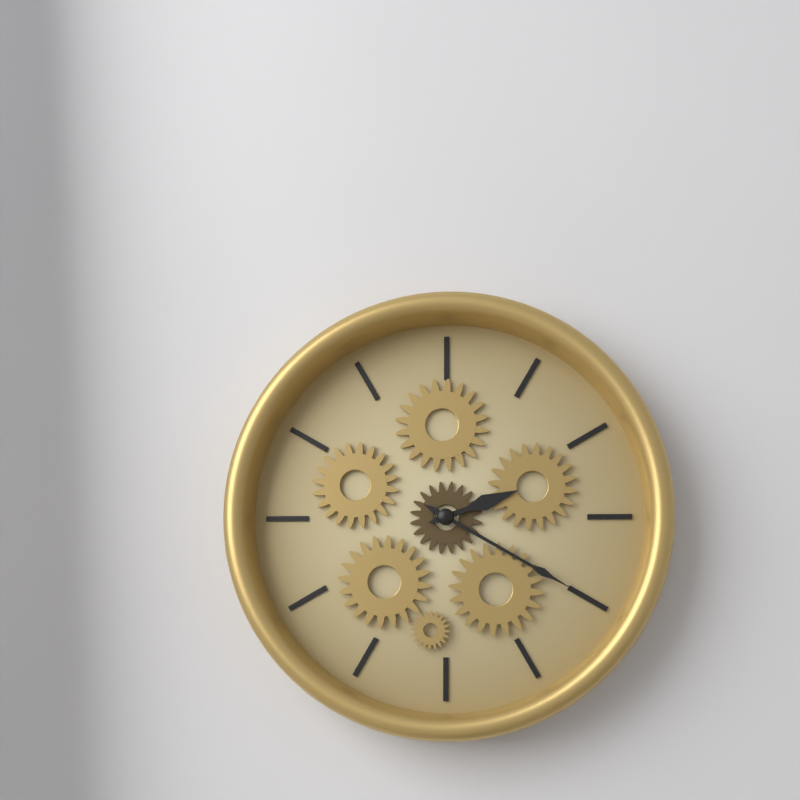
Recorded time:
2,20
